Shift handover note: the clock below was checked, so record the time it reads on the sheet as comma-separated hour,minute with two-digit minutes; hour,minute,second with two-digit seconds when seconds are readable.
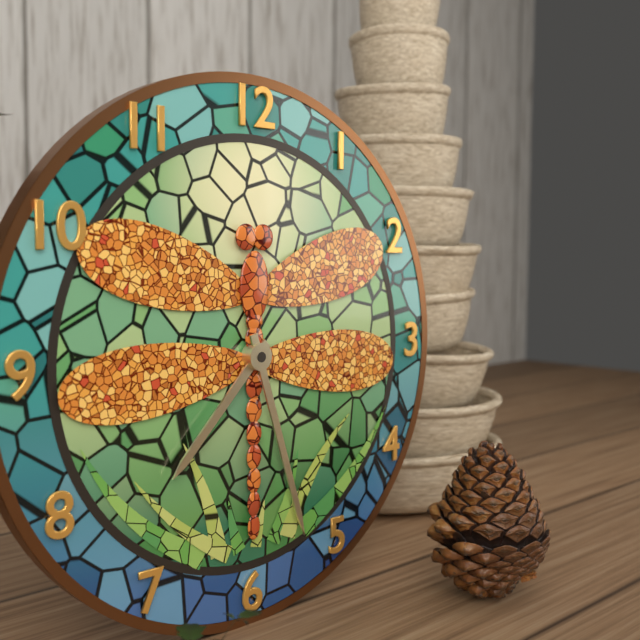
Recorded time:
7,27
